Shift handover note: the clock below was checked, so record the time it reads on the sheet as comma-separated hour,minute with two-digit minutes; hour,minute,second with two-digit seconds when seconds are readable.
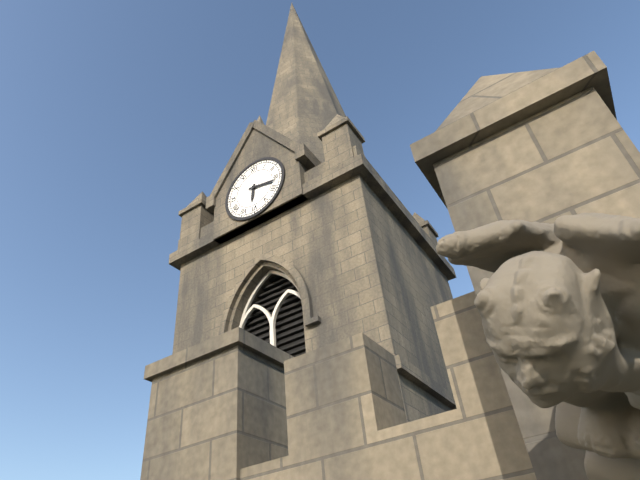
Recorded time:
6,17
